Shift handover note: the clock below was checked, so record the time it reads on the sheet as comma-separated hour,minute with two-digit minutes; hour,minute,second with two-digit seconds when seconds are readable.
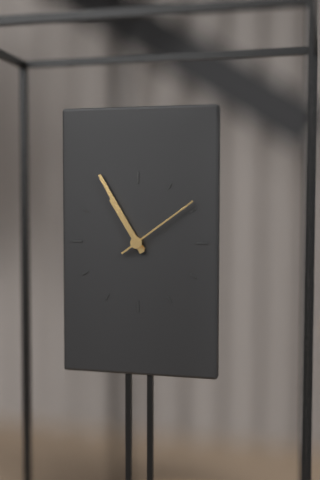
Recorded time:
10,55,09
